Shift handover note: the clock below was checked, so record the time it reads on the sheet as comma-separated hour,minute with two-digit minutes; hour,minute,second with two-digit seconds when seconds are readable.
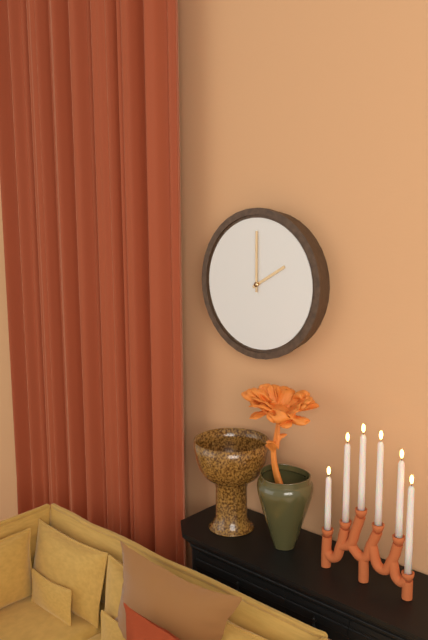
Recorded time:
2,00
